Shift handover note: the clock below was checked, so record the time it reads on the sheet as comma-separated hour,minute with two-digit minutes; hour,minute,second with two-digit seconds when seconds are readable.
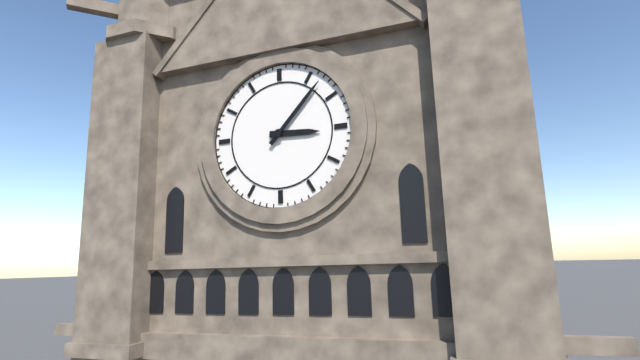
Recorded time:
3,07
